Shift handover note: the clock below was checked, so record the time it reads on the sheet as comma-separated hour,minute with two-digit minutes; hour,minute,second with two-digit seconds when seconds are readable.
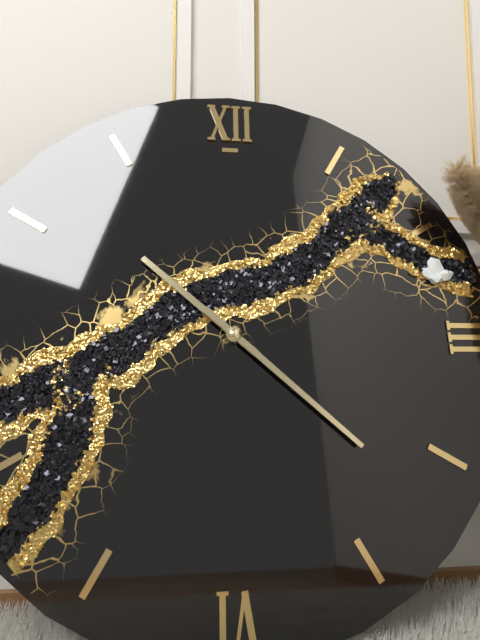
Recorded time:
10,22
